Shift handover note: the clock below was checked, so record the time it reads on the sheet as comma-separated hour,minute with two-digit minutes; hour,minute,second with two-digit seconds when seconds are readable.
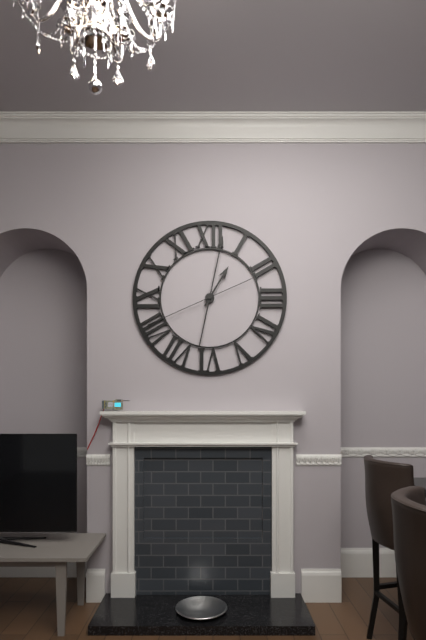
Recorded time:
1,02,41
